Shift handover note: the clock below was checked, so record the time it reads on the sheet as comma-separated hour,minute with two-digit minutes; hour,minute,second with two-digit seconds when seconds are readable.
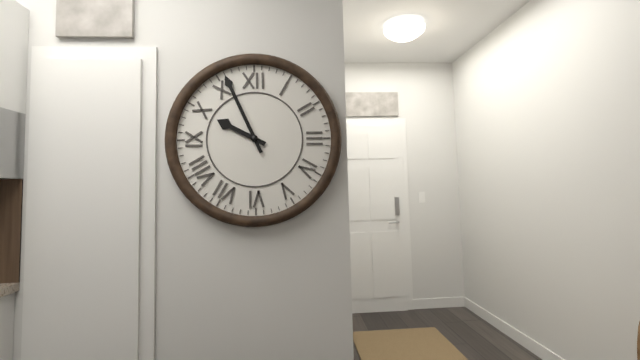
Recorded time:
9,56
